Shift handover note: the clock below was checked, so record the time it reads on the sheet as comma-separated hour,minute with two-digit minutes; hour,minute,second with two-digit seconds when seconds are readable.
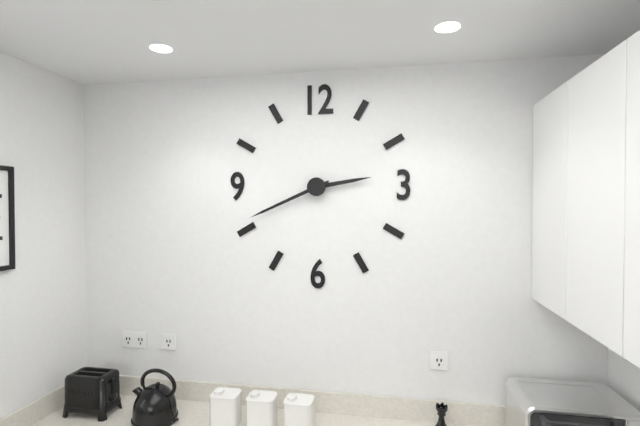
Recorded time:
2,41
